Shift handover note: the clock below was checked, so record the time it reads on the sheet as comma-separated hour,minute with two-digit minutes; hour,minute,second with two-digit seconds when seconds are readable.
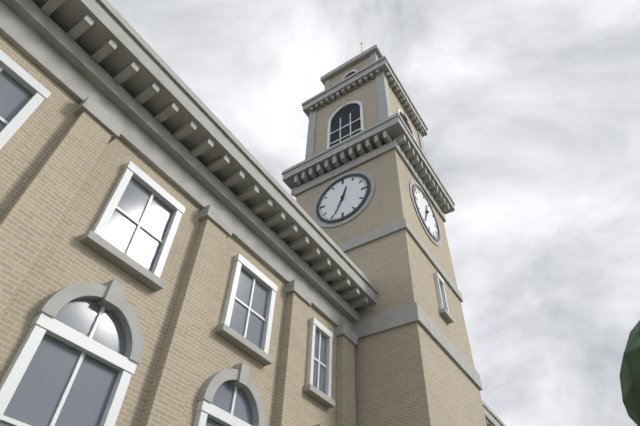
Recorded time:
12,34
